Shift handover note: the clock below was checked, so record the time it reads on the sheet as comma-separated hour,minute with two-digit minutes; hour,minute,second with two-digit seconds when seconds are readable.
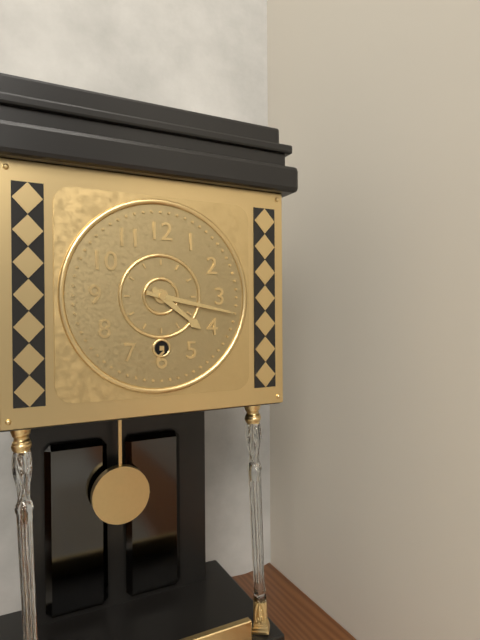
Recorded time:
4,17
